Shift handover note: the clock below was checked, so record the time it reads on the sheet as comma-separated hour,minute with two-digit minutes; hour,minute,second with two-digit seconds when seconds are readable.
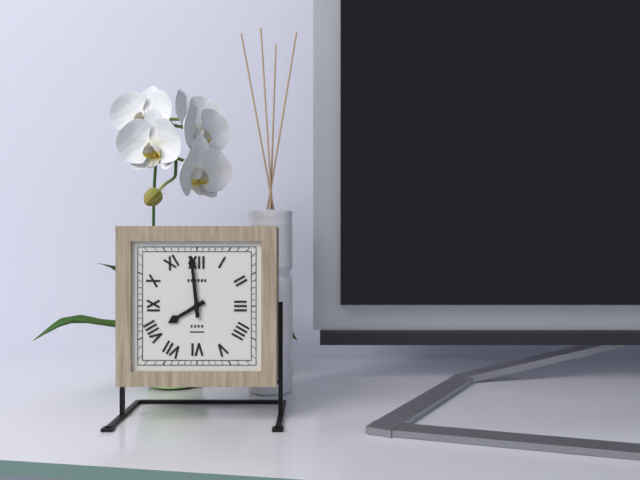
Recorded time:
7,59
